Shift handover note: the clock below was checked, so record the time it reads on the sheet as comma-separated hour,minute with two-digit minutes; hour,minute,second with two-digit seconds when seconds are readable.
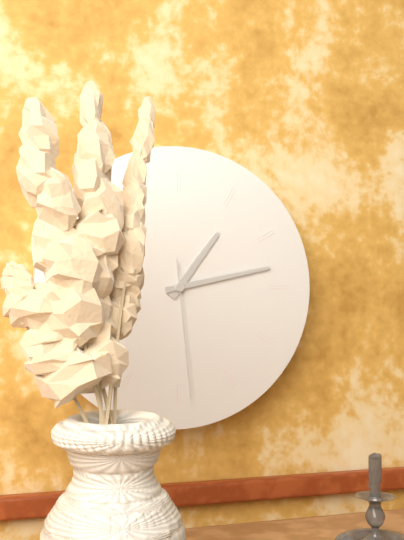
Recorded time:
1,13,29
